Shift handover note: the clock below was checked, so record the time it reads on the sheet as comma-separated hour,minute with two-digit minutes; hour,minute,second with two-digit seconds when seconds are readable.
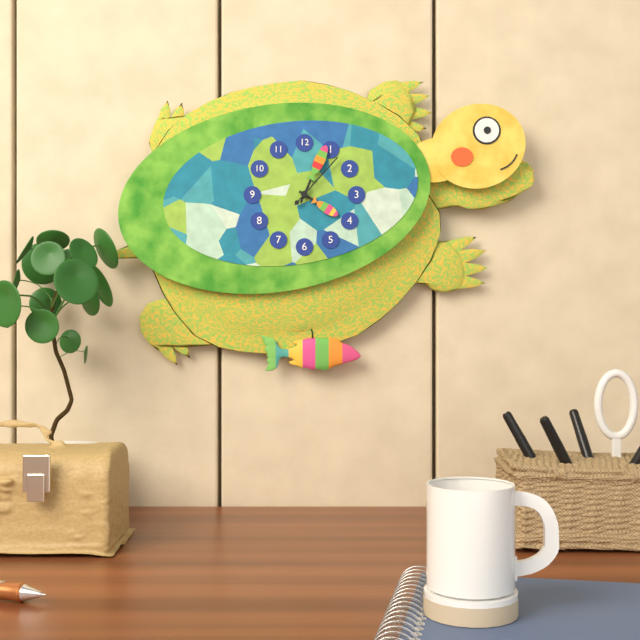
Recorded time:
4,04,07
